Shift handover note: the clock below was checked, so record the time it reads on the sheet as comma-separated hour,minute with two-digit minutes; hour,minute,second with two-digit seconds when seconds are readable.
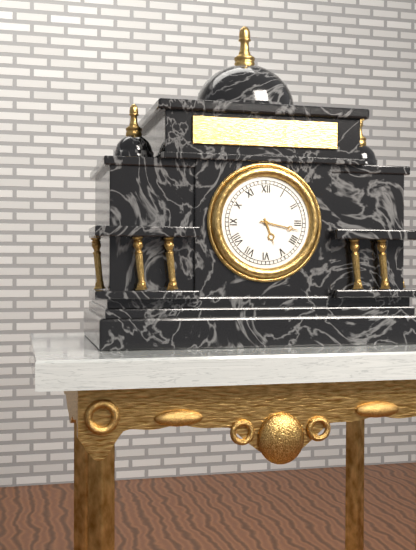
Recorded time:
5,17
